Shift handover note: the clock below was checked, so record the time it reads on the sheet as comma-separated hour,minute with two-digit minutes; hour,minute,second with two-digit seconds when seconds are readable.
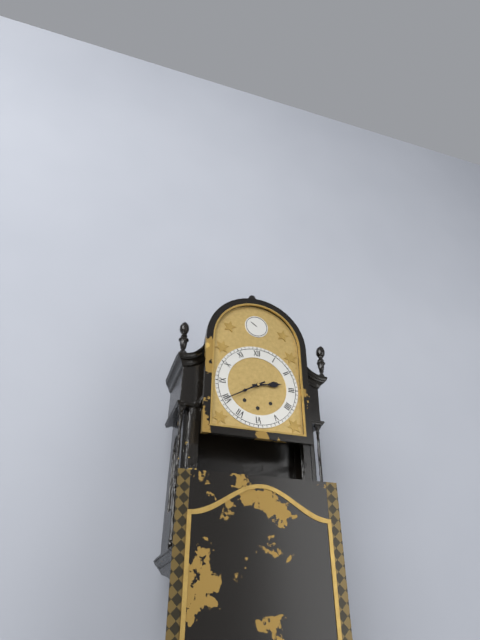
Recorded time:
2,40
